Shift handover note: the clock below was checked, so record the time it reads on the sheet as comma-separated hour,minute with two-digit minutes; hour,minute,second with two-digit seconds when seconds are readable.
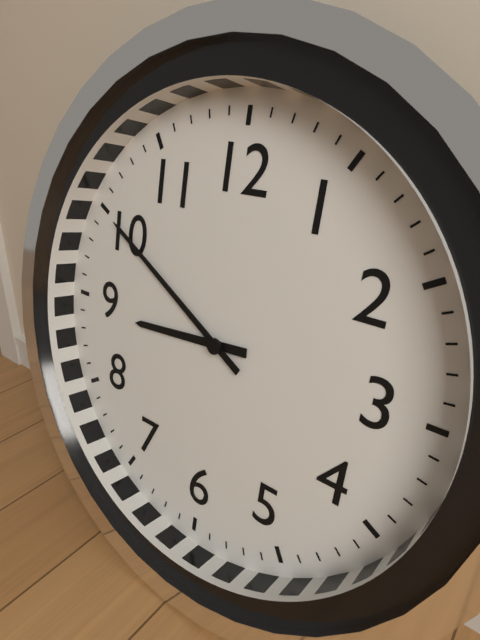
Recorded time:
8,50
